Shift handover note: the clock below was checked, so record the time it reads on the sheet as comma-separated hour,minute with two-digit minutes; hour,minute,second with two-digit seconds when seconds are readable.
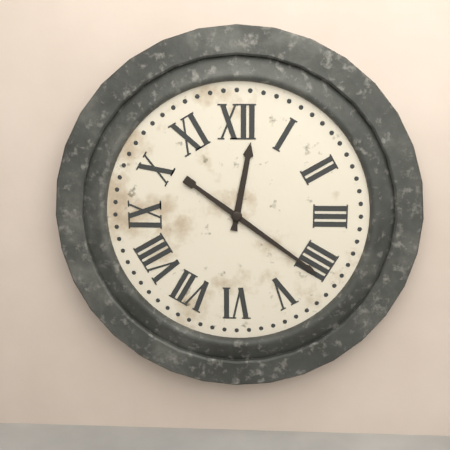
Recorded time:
12,21
